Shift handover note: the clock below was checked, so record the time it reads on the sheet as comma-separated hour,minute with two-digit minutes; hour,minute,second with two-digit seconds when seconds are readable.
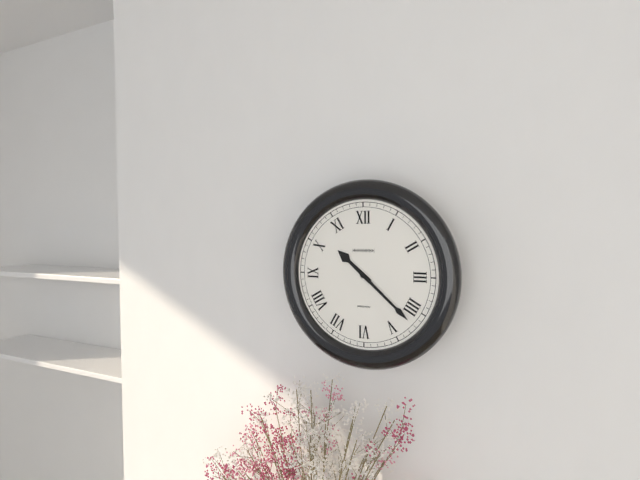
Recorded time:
10,22
